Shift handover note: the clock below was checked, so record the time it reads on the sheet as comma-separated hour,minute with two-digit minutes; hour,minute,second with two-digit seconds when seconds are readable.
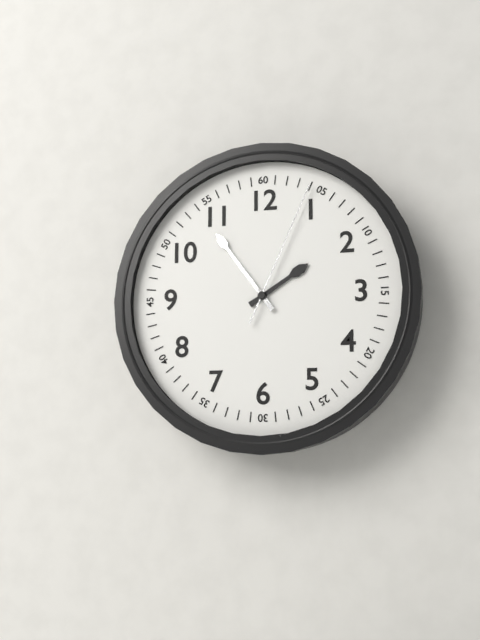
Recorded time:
1,54,04
